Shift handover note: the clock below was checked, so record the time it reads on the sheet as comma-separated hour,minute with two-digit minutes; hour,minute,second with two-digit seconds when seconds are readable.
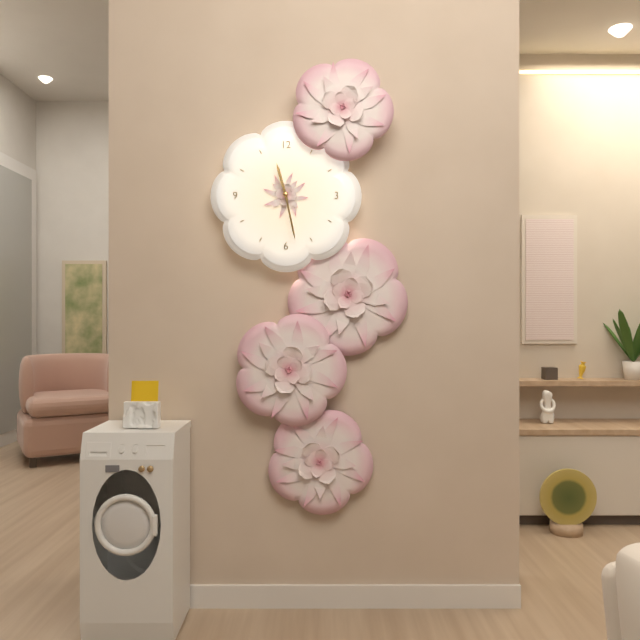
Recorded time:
11,28
